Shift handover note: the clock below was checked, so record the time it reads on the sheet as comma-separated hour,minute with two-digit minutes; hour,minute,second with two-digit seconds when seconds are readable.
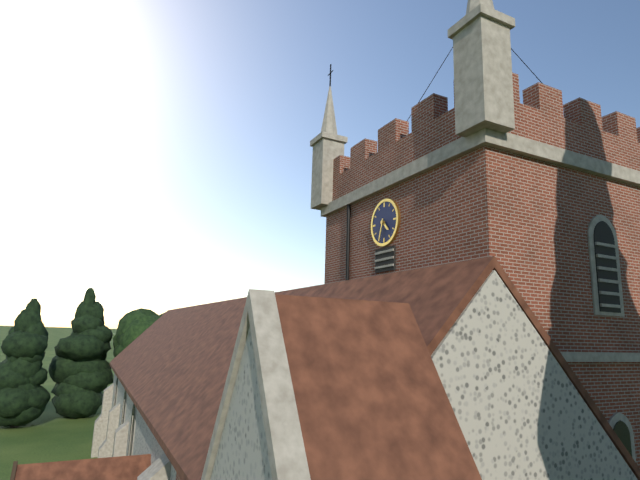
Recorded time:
4,33
